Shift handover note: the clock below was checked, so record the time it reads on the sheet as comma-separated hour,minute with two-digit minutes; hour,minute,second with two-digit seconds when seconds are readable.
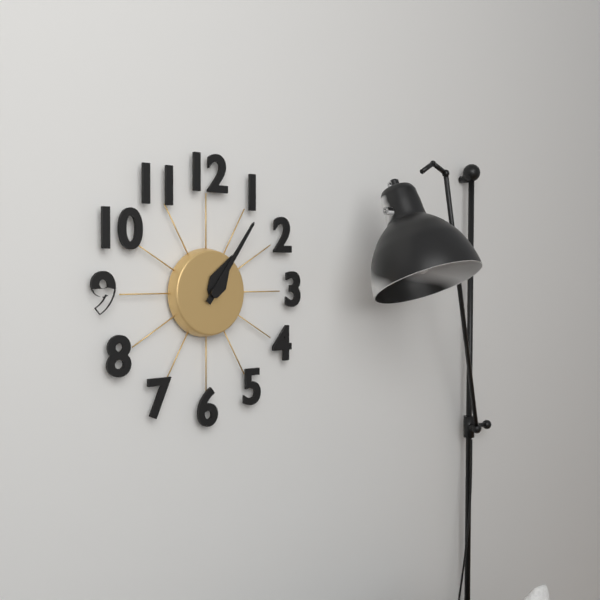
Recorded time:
1,06
